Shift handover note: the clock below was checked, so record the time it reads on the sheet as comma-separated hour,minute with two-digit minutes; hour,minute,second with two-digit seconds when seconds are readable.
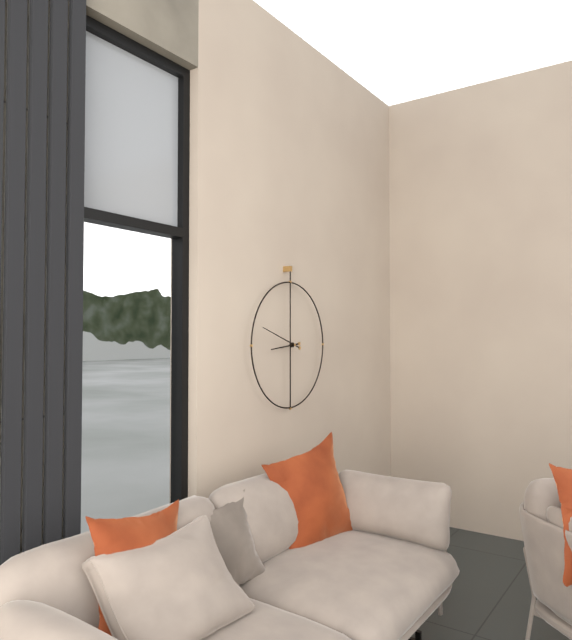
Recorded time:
8,48
